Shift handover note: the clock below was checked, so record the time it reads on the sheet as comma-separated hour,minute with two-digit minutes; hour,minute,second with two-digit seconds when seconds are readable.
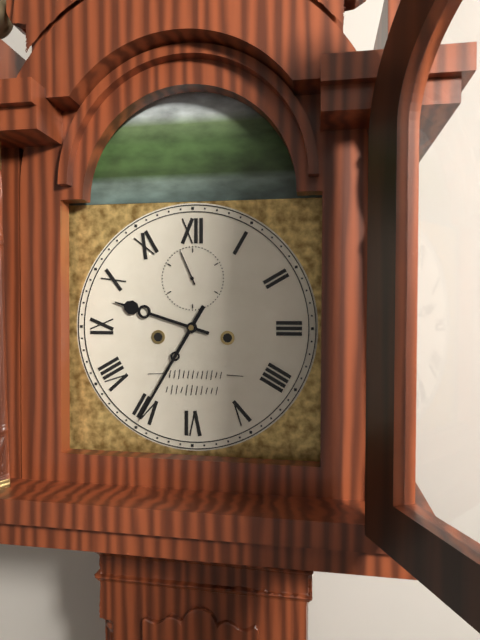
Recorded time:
9,35
